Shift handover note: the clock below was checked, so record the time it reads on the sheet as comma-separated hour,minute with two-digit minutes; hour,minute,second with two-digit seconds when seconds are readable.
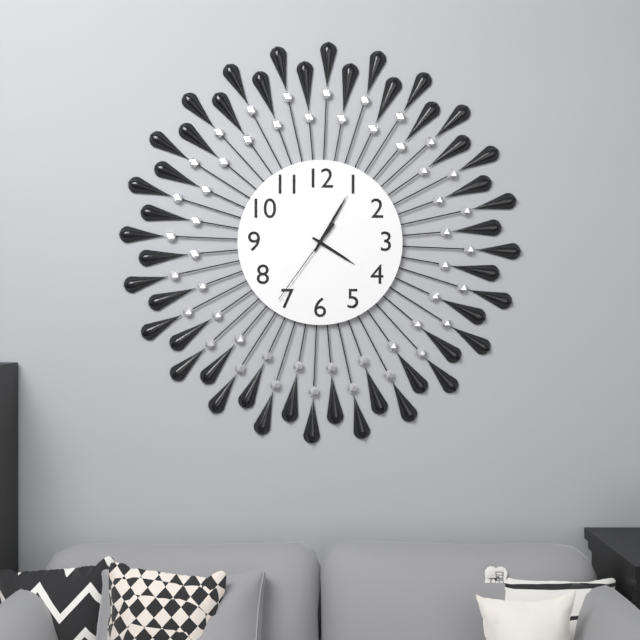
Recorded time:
4,05,36
